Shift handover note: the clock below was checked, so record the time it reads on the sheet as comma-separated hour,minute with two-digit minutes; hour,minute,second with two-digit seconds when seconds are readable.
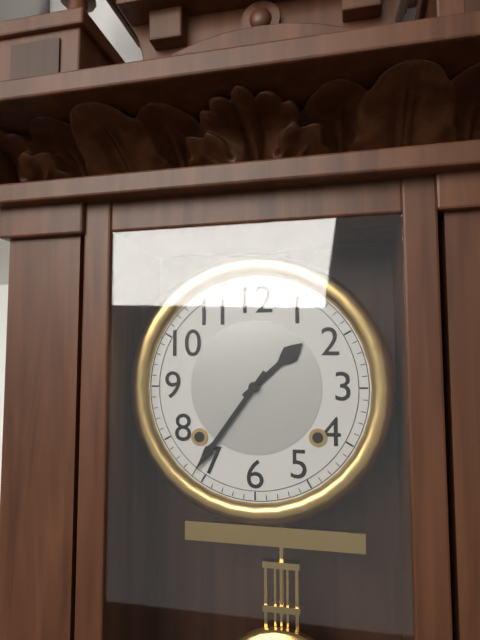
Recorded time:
1,36
